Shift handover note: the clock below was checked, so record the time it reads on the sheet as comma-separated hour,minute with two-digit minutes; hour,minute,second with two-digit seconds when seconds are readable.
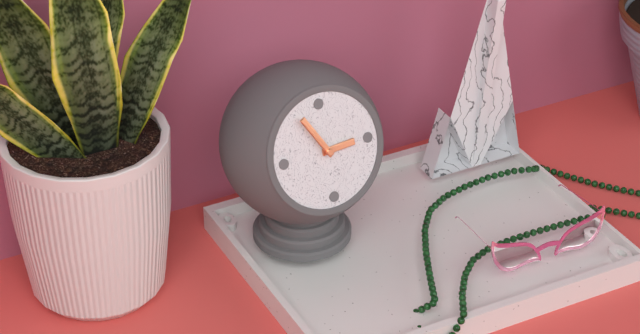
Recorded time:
2,55
